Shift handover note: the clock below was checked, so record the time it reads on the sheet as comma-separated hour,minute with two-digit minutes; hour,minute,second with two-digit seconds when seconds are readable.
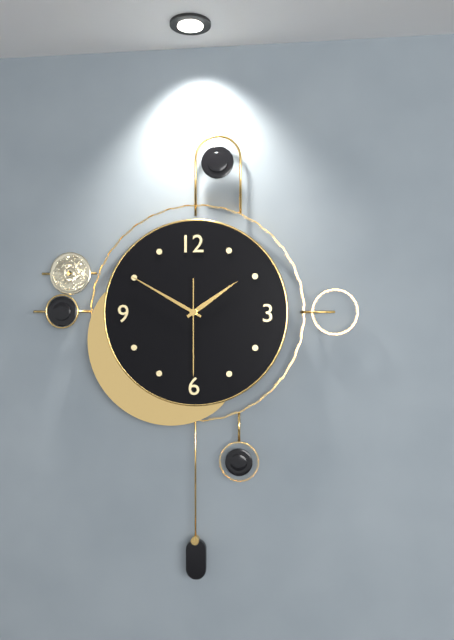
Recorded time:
1,50,30
